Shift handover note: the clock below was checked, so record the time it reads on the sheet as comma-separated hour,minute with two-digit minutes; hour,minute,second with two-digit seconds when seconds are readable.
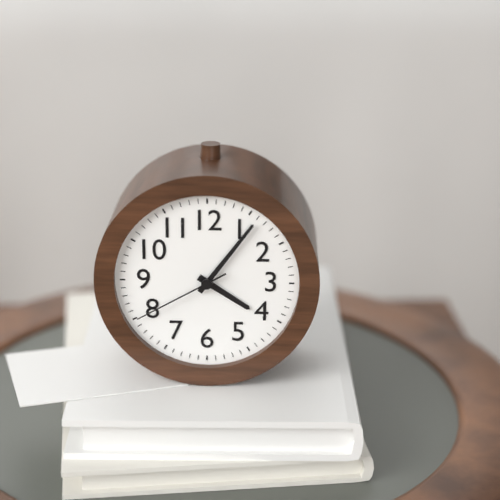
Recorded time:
4,06,40
